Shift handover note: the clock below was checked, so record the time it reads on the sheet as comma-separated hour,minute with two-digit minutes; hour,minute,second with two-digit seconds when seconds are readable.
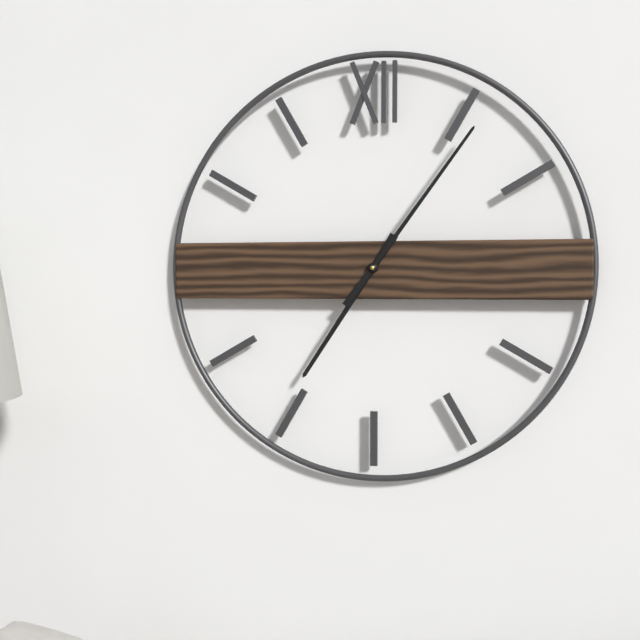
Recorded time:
7,06
